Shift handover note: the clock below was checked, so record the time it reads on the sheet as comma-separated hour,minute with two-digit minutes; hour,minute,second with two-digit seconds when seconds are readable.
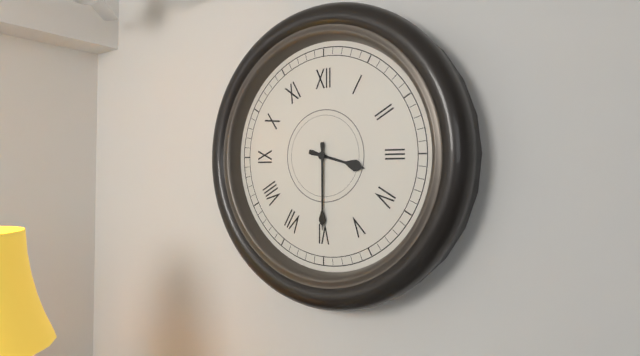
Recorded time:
3,30
